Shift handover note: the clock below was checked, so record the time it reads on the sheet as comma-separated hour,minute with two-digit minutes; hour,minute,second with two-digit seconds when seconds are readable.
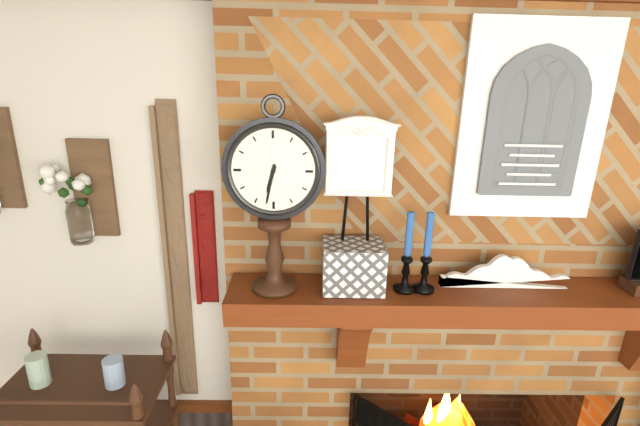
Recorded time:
6,32
